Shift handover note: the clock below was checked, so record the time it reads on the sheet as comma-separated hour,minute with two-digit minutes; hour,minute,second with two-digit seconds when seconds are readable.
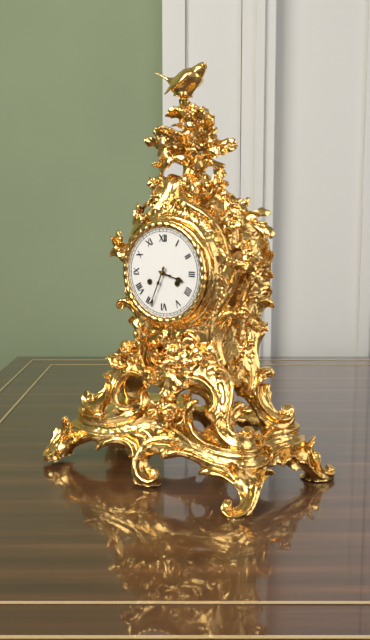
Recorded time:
3,34
